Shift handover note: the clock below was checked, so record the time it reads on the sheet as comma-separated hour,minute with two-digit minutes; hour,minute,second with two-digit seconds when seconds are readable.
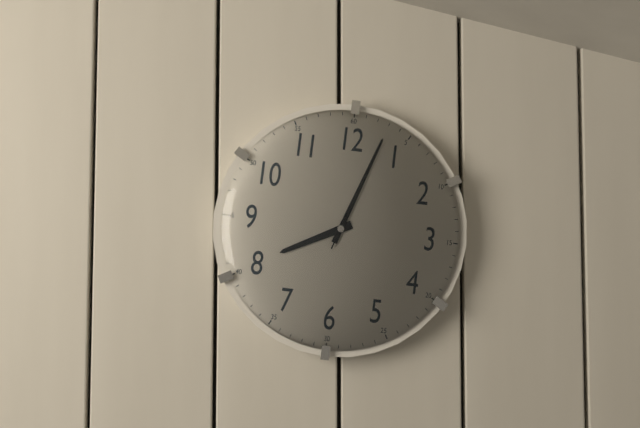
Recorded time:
8,03,03
